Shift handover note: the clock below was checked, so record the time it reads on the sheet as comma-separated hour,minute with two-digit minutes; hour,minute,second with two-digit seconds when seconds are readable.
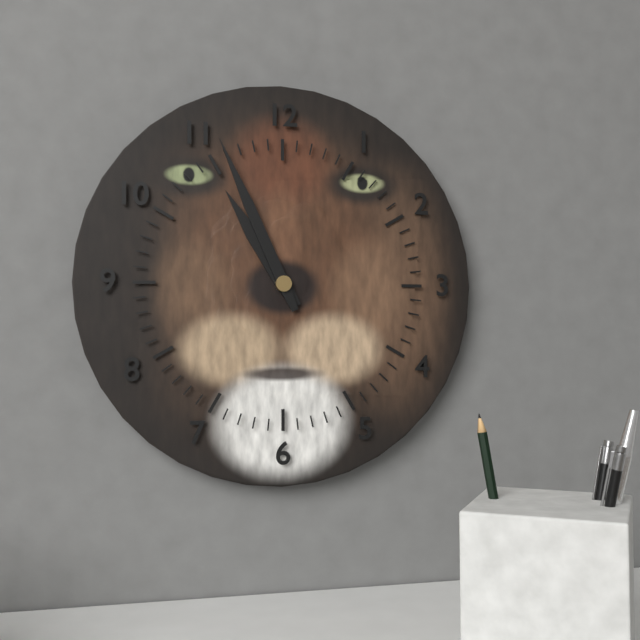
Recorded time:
10,56
